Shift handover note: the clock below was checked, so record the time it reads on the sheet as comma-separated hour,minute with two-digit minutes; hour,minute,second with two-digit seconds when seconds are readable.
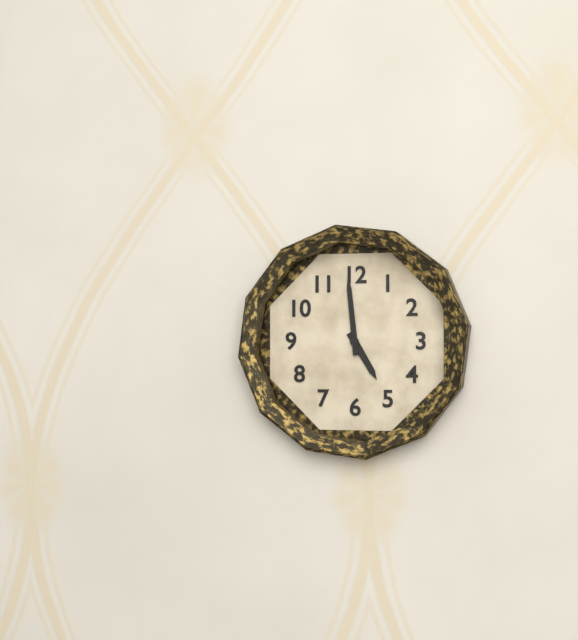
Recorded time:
4,59
